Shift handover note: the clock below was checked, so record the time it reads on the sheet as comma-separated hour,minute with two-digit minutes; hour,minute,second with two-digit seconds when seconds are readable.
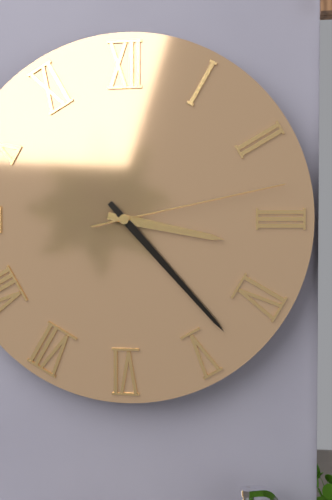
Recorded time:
3,23,13
